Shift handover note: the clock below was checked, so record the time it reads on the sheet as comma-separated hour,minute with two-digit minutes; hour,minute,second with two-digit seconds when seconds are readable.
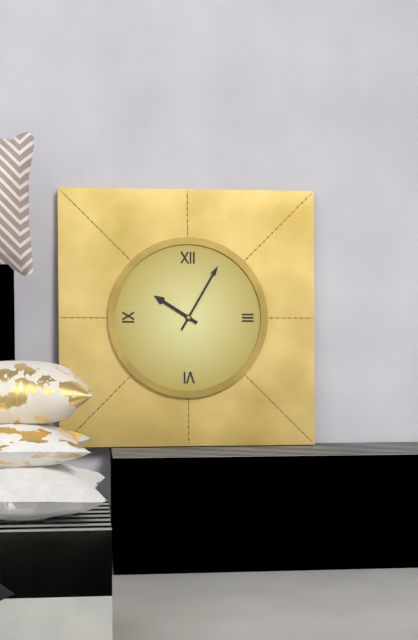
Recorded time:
10,05
